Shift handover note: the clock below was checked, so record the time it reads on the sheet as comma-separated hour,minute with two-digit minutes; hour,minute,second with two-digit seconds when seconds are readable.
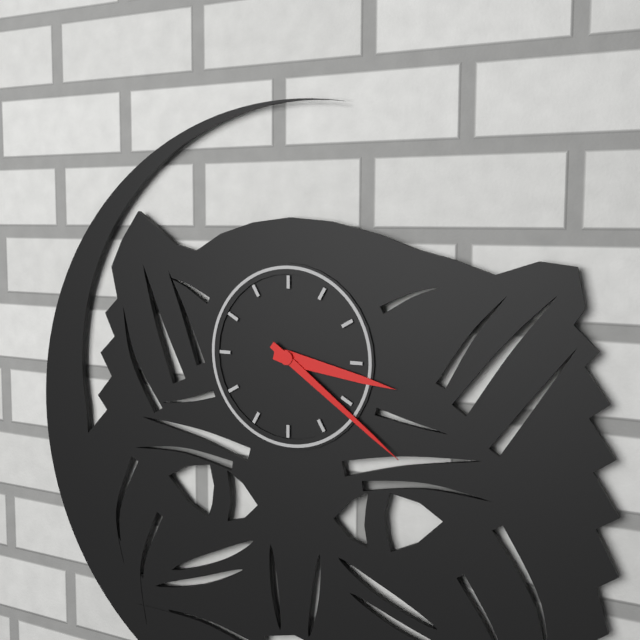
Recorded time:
3,21
